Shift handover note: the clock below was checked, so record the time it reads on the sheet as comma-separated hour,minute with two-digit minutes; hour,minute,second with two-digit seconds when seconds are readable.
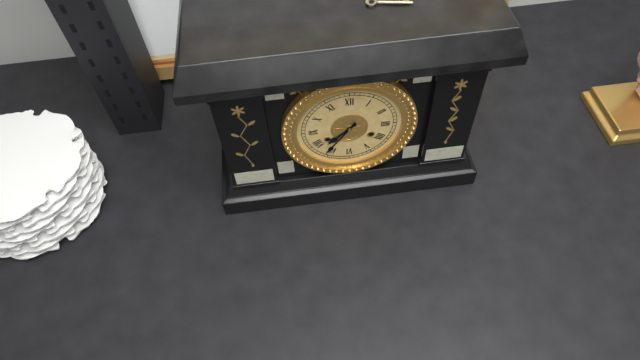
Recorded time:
7,36
